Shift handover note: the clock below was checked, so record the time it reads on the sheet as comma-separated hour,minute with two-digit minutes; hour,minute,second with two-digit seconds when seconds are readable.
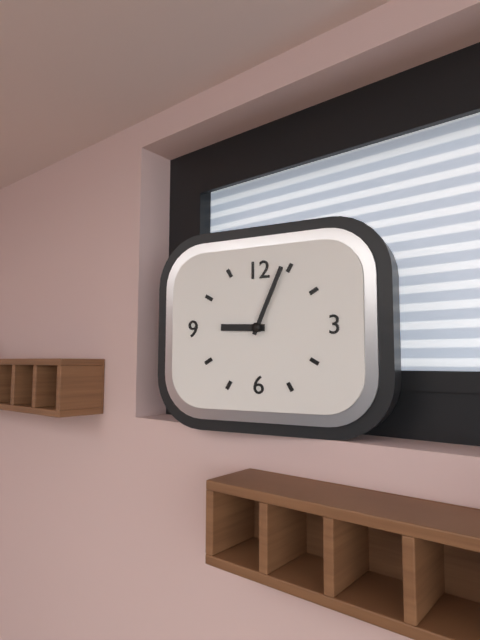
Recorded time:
9,04
